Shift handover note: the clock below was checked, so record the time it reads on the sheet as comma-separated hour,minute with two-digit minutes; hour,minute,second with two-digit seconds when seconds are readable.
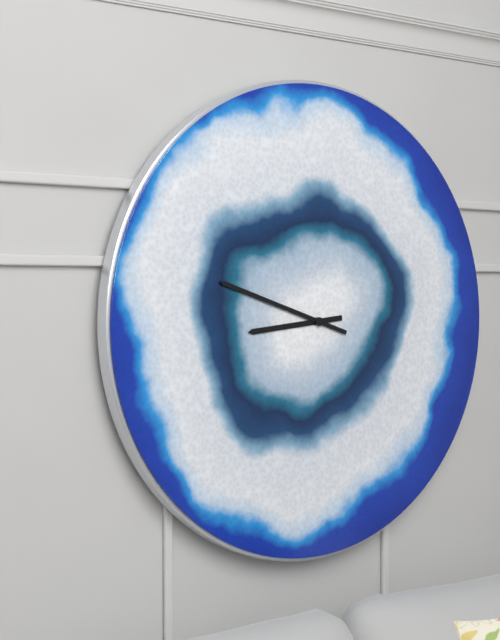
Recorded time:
8,48
